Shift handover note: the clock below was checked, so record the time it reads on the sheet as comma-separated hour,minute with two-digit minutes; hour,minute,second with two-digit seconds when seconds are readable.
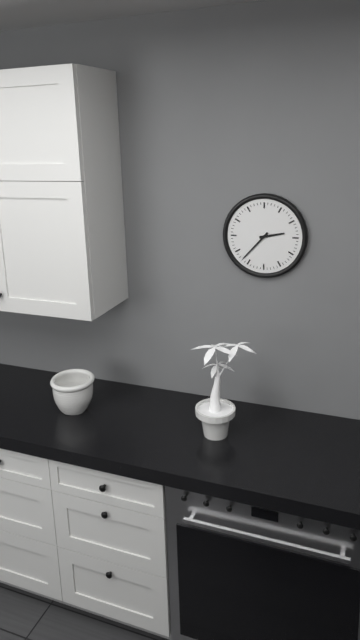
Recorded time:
2,37
